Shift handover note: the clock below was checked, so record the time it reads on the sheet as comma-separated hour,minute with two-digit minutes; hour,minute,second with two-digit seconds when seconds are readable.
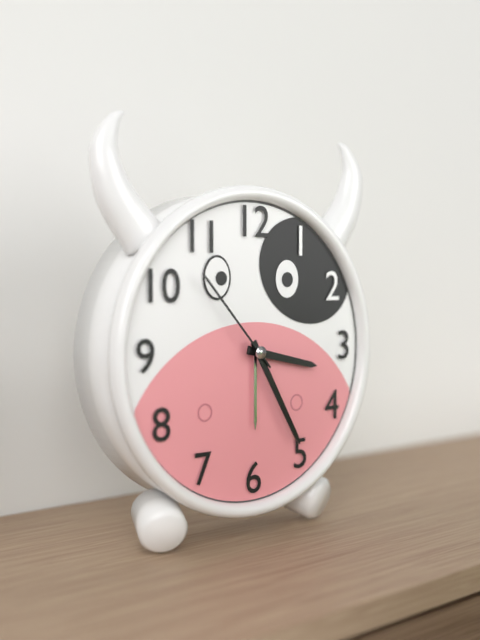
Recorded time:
3,25,53
